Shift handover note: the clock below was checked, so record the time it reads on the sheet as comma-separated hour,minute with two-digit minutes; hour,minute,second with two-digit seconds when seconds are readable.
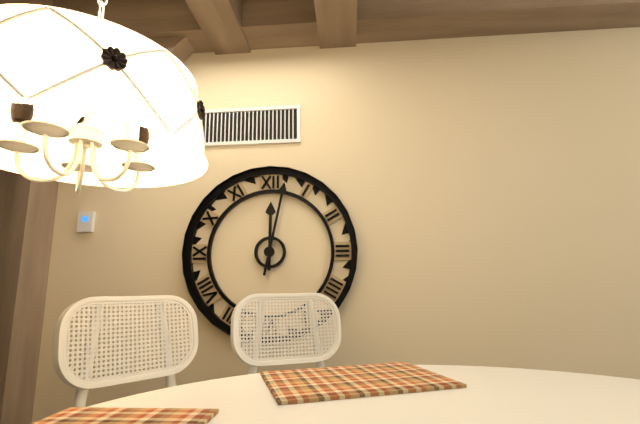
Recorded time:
12,02
